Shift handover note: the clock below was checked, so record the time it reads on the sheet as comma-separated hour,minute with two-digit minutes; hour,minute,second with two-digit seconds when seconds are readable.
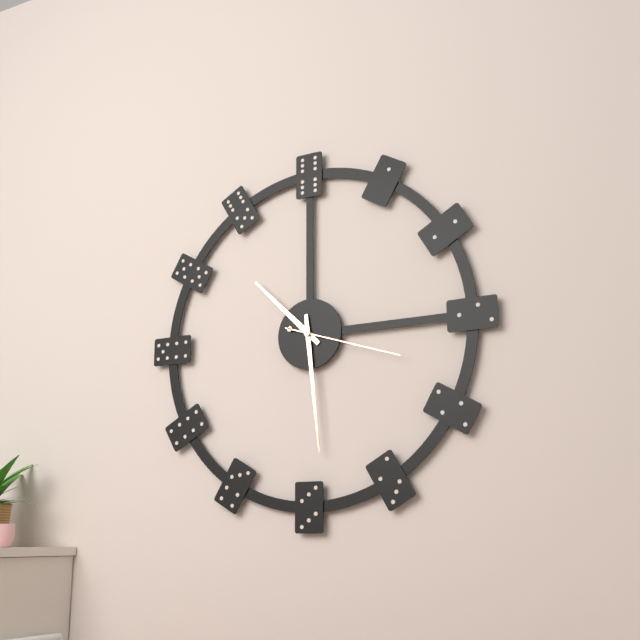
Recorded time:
10,29,18
